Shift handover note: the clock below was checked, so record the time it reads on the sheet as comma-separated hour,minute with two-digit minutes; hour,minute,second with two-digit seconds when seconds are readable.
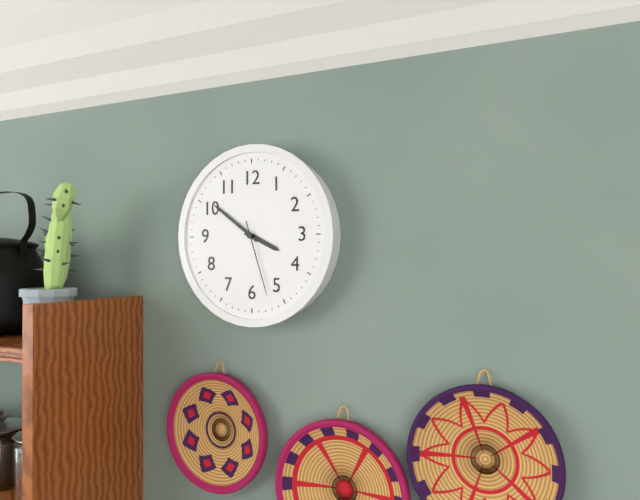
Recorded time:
3,51,27
